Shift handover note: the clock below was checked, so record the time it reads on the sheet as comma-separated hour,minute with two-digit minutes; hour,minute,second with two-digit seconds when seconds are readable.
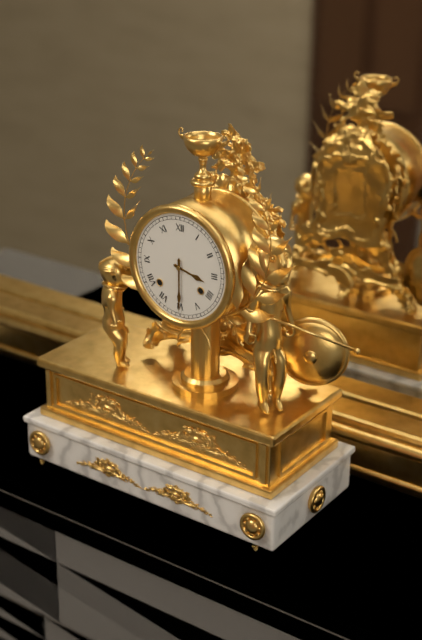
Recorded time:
3,30
